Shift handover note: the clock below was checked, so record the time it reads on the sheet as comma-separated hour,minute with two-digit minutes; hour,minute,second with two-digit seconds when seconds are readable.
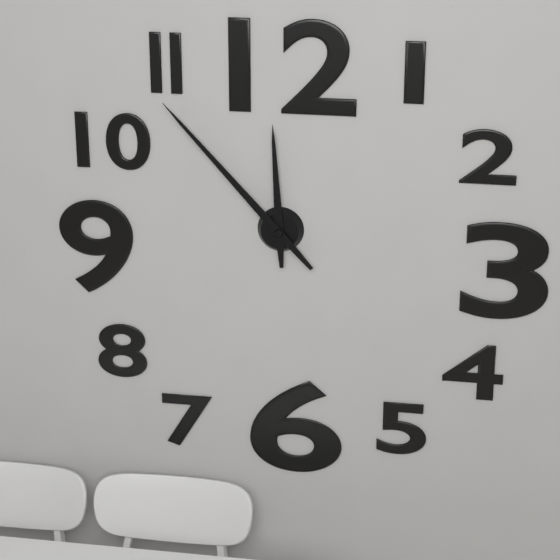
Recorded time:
11,53
